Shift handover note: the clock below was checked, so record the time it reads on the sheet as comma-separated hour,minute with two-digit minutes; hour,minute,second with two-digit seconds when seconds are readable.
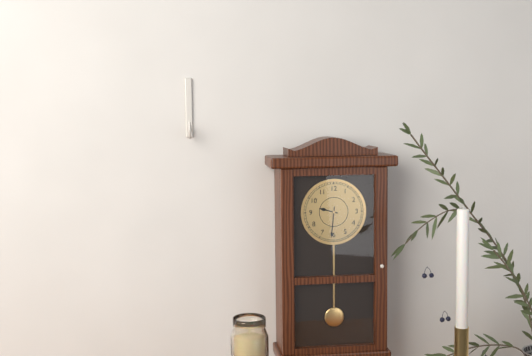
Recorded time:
9,31
